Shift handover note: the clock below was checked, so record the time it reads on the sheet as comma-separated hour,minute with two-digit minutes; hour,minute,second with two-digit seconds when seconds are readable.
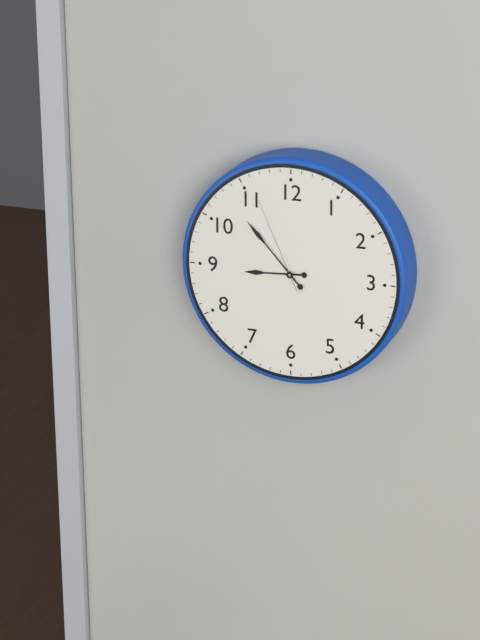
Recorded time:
8,53,56
